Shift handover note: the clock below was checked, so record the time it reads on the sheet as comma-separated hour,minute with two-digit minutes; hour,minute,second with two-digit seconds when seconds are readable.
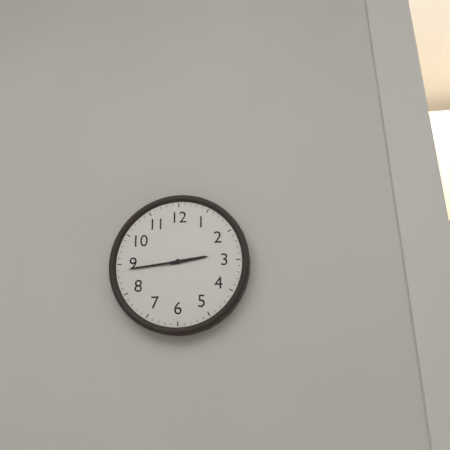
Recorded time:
2,44
